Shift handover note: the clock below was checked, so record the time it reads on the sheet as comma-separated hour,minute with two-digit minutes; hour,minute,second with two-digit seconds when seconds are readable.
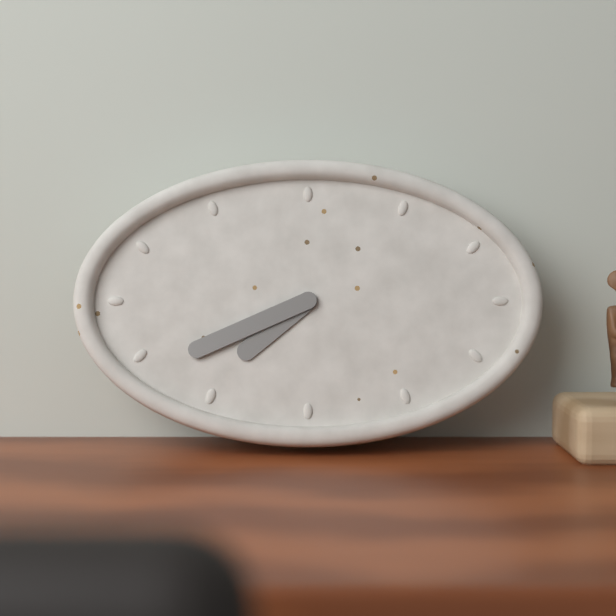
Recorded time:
7,41
